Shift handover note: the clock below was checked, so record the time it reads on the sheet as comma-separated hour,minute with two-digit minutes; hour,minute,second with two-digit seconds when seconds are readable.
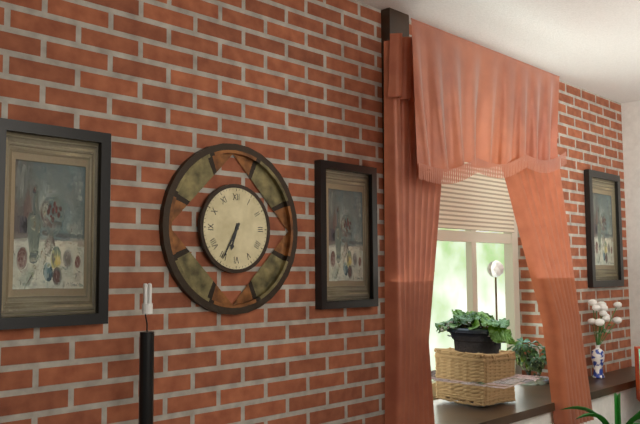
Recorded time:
6,35
